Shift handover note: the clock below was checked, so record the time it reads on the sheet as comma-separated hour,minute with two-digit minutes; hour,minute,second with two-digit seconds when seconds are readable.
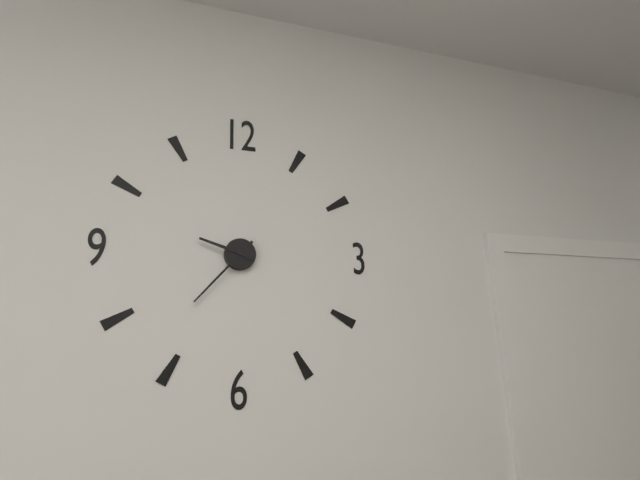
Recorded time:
9,37
